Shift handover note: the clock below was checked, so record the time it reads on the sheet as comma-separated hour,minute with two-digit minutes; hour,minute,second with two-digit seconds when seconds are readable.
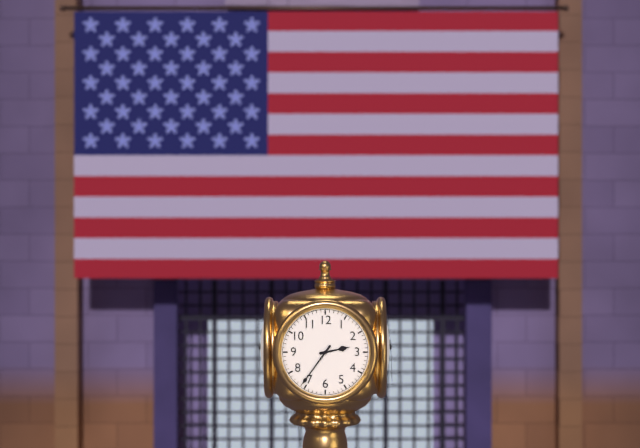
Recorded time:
2,36
